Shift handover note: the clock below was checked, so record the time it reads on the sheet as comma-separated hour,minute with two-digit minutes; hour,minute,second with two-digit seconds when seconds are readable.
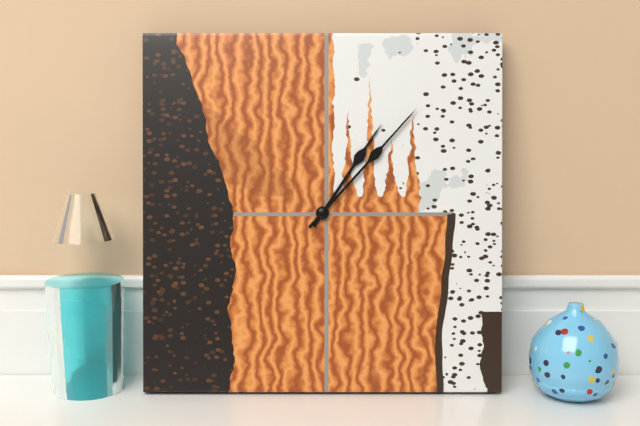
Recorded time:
1,07
